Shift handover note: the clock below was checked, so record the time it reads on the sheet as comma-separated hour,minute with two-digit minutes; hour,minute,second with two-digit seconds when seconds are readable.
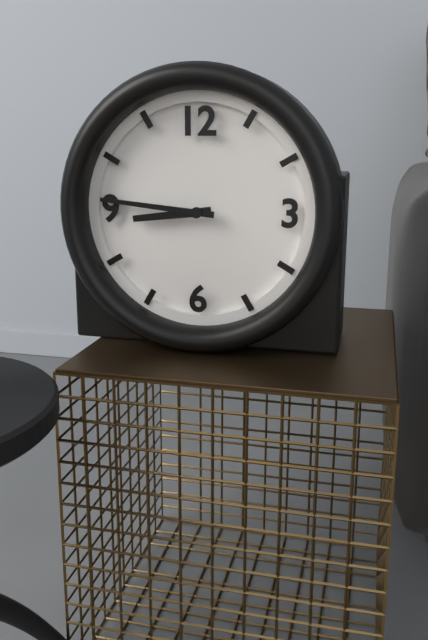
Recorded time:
8,46
